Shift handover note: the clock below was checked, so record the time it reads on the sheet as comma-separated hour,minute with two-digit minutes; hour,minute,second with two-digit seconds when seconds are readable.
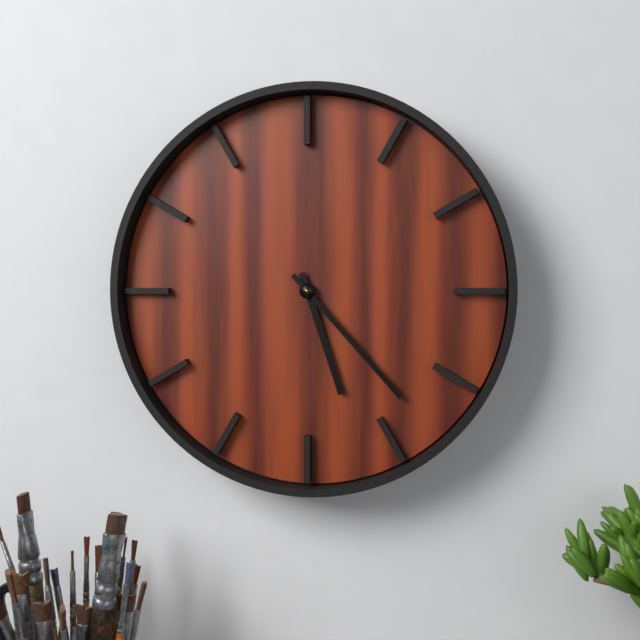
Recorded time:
5,23
